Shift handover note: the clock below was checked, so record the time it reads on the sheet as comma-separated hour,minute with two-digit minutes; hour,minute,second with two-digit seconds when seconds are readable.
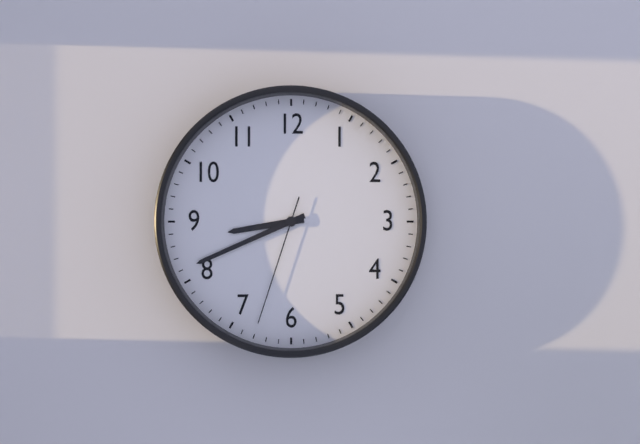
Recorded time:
8,41,33
